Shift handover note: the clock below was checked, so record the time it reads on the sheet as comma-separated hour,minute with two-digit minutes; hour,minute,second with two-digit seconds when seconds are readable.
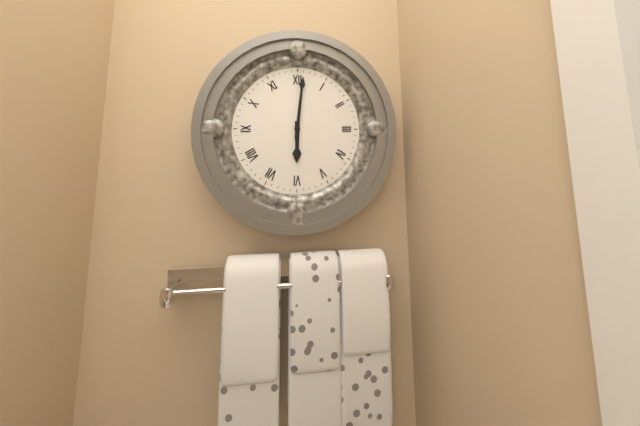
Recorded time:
6,01
